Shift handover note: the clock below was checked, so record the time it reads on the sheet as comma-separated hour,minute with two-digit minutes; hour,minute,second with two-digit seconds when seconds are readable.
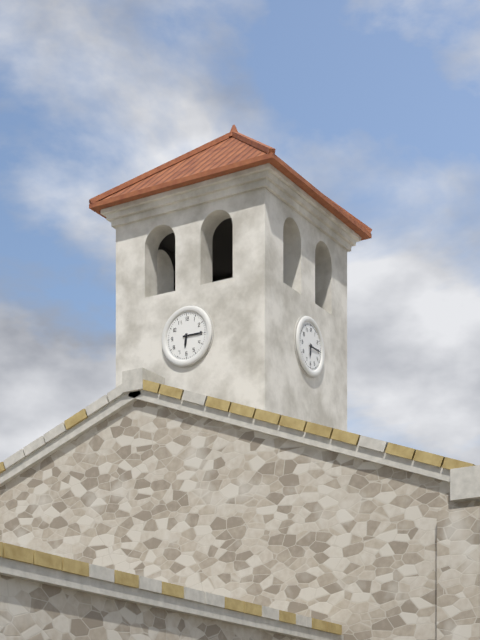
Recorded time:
6,15
